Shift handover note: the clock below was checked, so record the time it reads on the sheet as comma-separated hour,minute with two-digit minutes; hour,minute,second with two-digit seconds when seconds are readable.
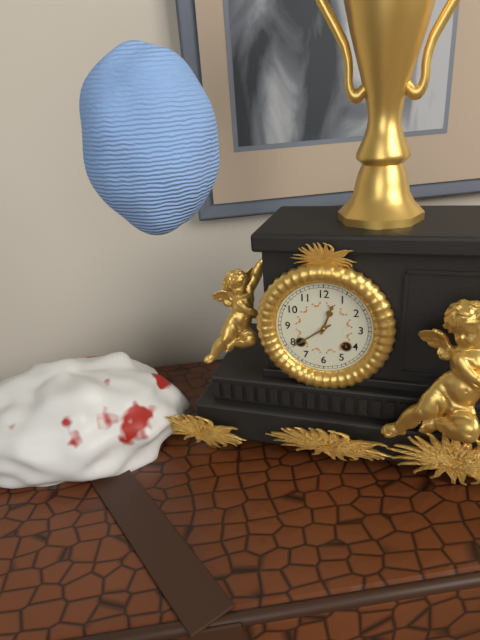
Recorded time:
12,39
